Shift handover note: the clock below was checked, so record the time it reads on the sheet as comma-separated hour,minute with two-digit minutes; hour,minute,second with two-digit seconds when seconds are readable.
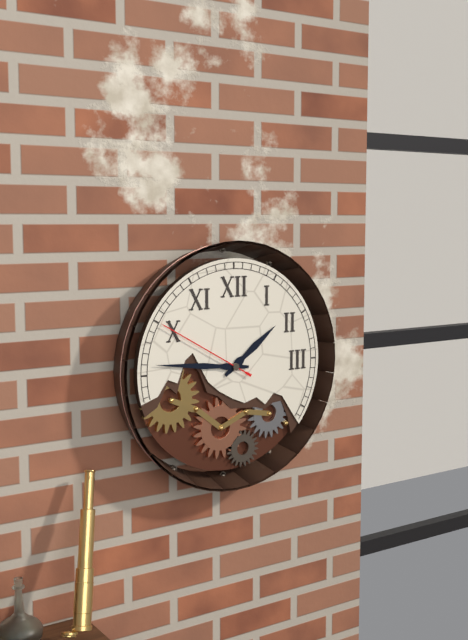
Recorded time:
1,46,50
